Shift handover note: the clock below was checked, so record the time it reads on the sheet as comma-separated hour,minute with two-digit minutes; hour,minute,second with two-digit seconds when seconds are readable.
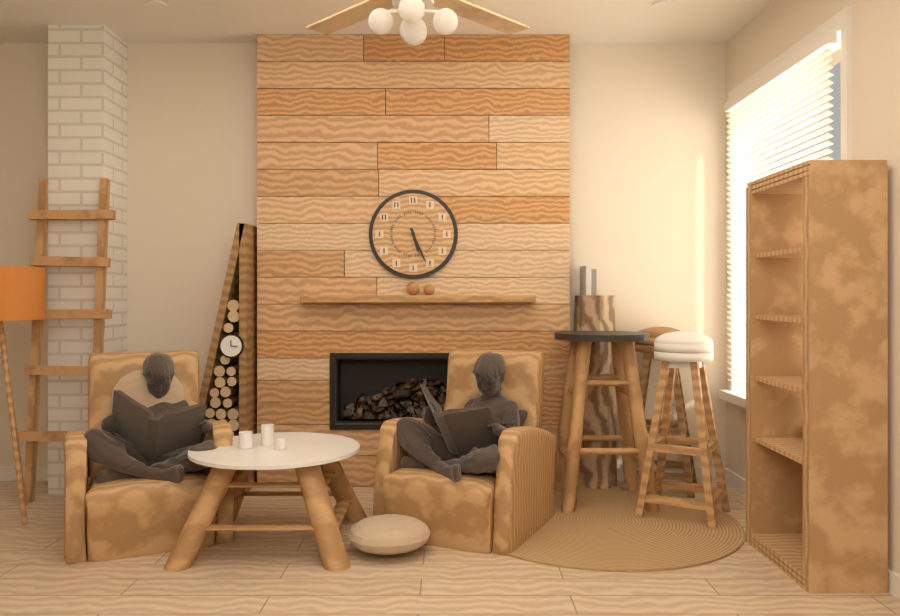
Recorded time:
5,26
